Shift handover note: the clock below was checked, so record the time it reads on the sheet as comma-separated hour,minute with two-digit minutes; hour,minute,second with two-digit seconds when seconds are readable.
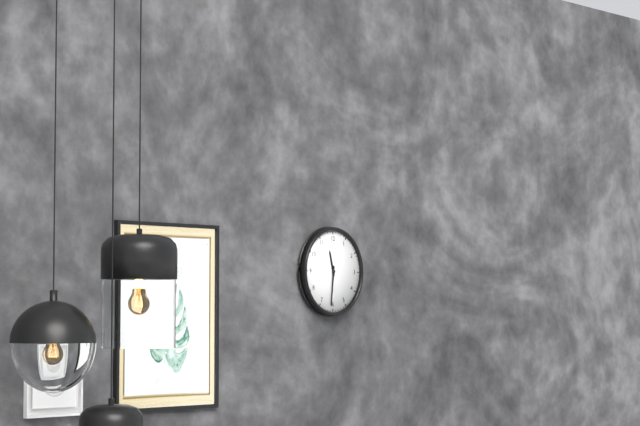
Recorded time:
11,31
